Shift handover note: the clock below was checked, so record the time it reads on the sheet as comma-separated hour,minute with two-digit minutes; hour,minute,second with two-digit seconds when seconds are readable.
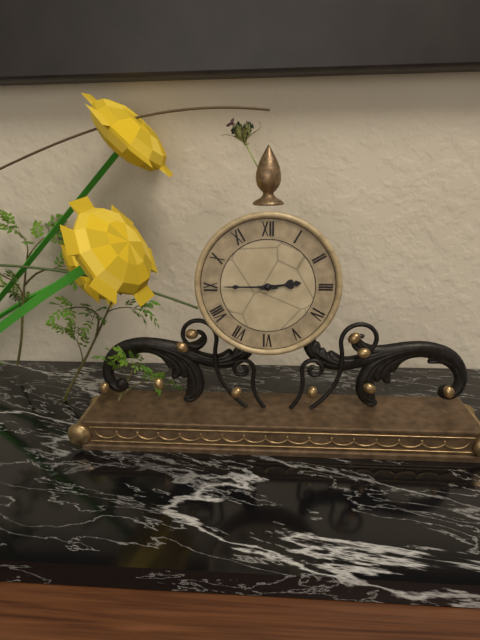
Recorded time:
2,45
